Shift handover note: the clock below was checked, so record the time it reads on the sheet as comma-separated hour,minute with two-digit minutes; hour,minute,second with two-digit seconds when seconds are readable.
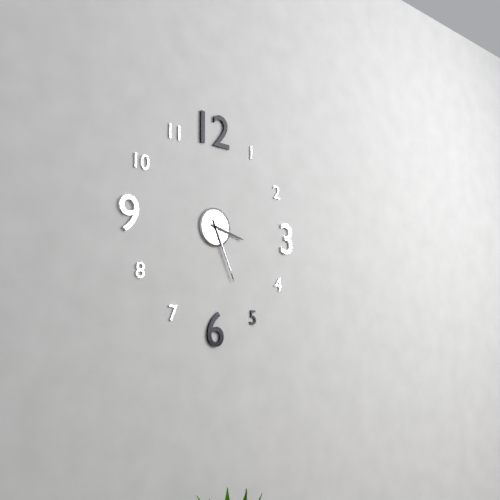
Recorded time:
3,26,26
